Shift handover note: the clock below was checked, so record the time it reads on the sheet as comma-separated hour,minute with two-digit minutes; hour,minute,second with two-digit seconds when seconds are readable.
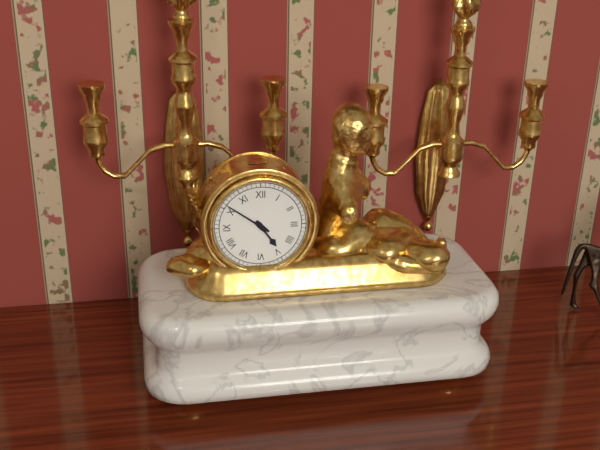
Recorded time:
4,51
